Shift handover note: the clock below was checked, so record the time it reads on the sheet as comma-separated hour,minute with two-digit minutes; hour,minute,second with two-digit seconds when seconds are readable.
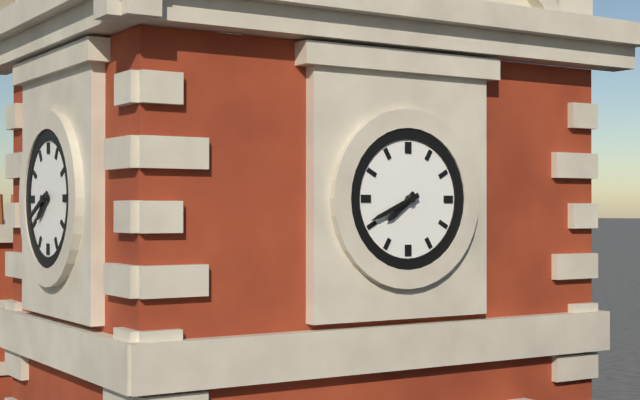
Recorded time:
7,41
